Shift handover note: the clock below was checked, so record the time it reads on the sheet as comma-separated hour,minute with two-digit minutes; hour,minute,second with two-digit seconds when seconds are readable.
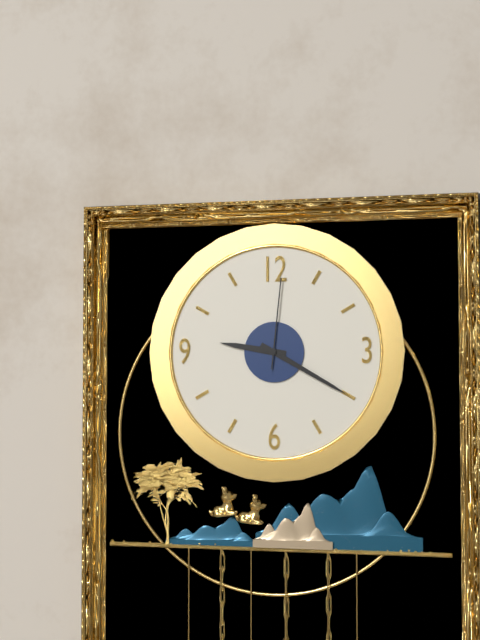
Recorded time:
9,20,01
